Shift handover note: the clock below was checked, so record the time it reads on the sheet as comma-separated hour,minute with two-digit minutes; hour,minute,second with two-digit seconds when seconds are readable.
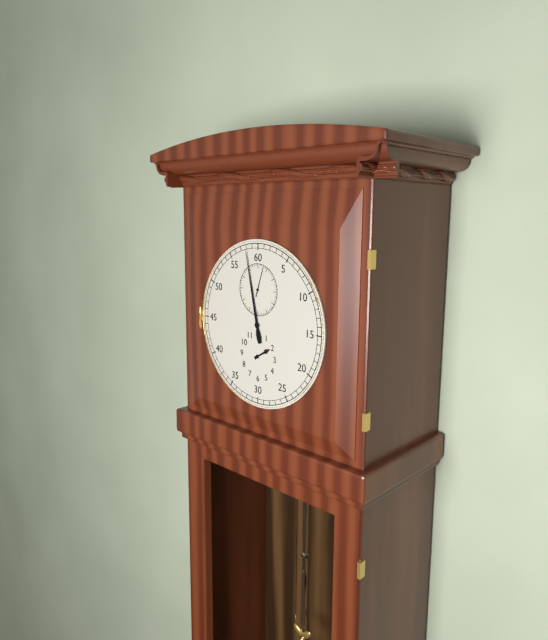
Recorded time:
1,58
